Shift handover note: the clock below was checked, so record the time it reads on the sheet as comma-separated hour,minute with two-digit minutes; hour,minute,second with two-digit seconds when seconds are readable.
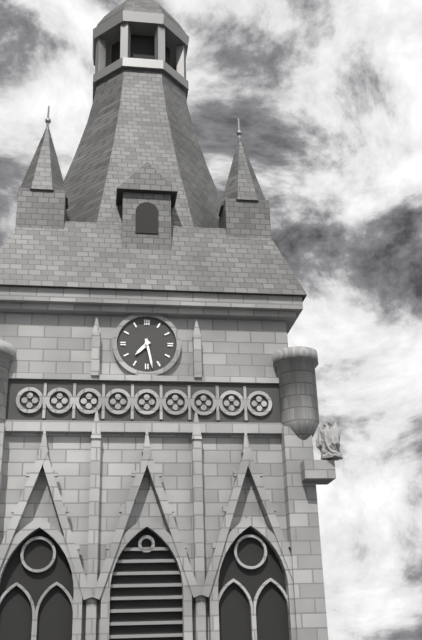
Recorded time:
7,28
